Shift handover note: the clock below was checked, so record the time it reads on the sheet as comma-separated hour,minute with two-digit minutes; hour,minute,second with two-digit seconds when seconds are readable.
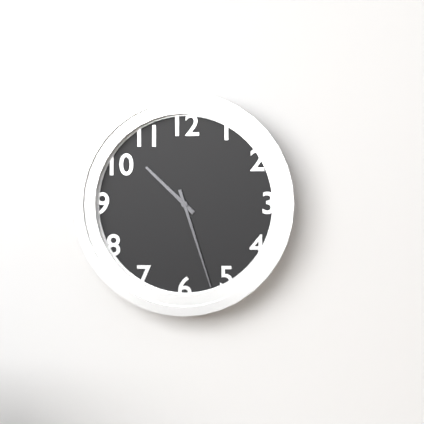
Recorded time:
10,27
